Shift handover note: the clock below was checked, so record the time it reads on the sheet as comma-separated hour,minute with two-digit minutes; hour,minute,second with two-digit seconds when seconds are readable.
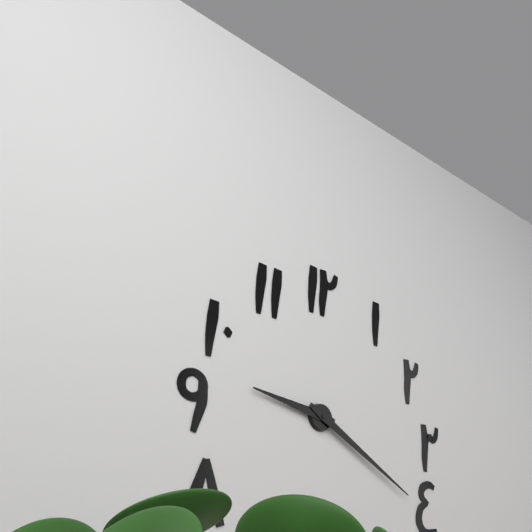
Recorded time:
9,20
